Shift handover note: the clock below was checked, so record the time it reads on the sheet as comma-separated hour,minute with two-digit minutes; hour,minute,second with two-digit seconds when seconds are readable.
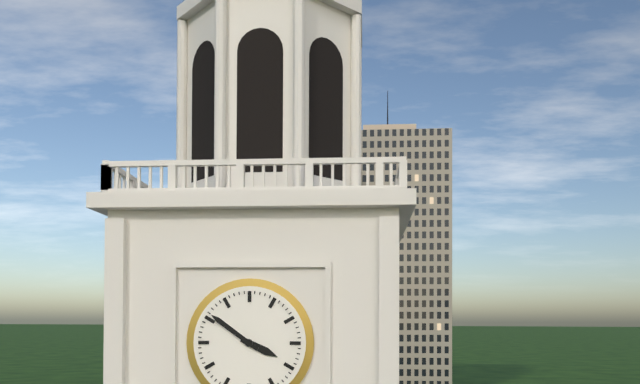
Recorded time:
3,51
